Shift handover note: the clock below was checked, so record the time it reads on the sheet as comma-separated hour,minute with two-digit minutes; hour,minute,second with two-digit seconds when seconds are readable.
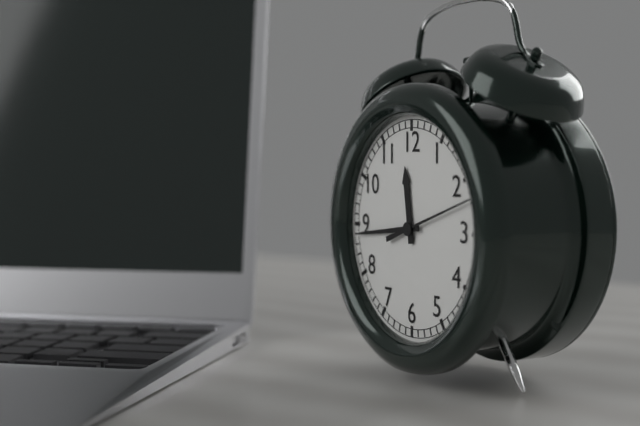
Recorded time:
11,44,12
